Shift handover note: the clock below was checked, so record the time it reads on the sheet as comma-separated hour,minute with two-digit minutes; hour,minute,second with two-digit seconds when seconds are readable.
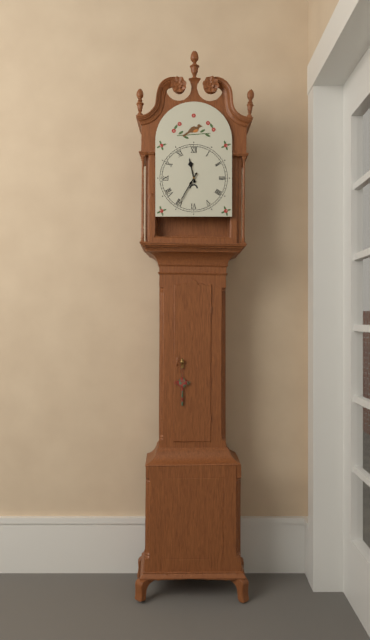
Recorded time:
11,35
